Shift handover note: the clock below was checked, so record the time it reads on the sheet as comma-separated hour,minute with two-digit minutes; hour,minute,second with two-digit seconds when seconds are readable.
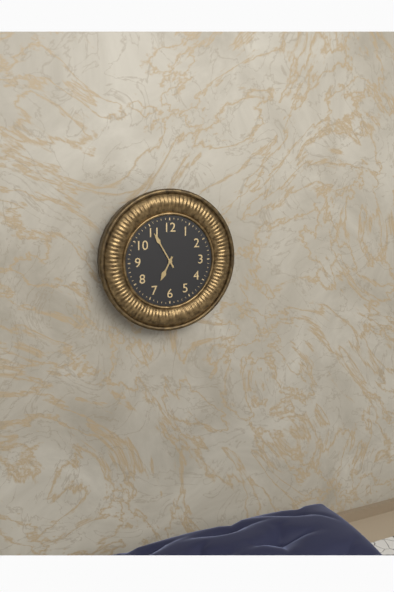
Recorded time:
6,55
